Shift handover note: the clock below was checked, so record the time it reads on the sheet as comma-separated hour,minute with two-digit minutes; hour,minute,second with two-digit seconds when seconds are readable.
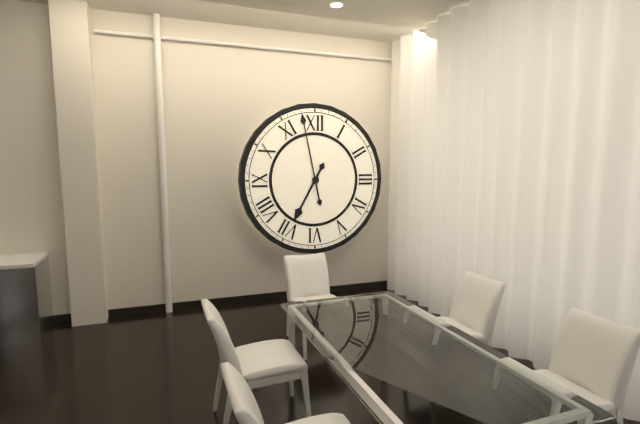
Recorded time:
6,58
